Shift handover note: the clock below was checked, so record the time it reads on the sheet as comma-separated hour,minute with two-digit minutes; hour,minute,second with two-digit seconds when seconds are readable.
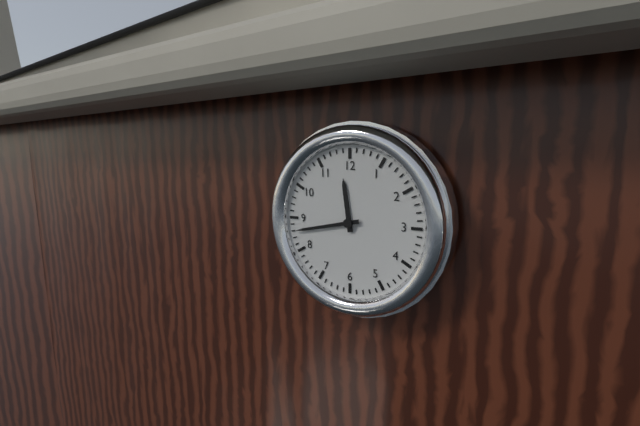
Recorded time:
11,43
